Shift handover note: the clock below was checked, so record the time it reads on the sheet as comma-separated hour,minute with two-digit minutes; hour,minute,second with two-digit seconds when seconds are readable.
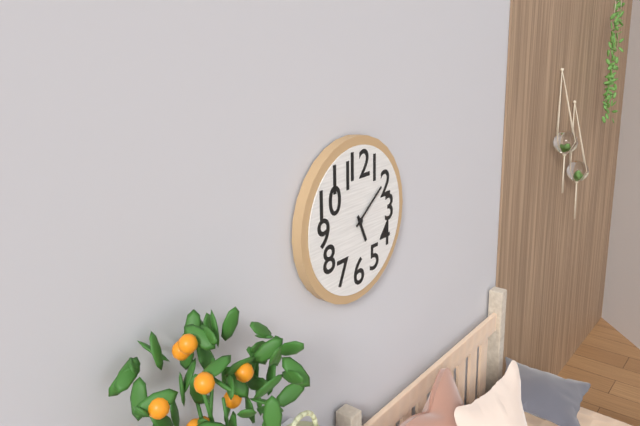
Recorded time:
5,09
